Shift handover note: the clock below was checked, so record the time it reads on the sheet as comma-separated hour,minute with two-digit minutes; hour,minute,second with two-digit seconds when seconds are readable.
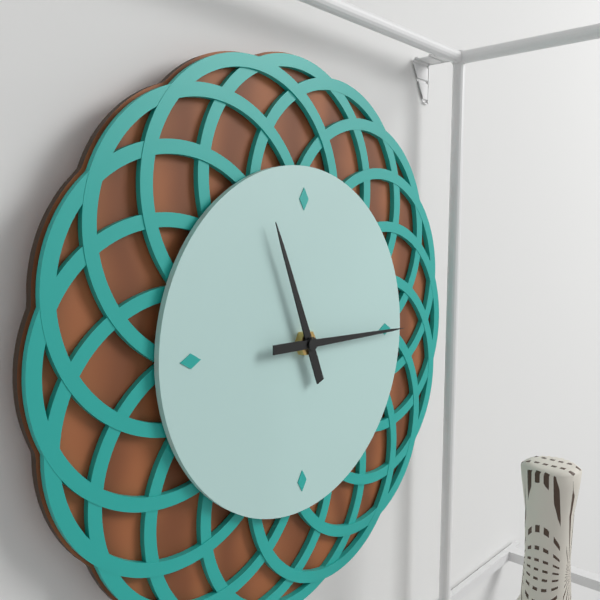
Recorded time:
11,15
